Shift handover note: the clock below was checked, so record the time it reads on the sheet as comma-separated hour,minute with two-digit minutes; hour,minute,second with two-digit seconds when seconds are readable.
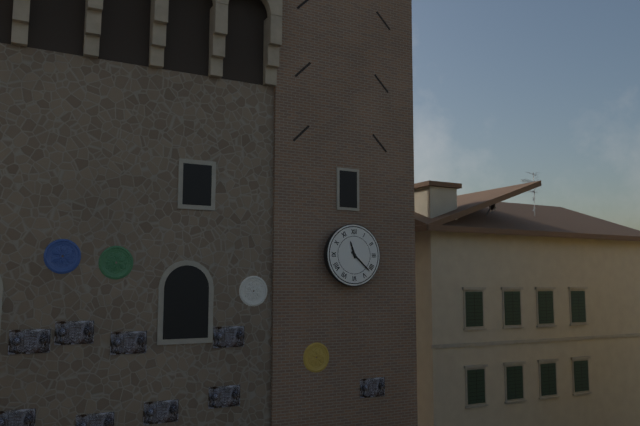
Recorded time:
11,22
